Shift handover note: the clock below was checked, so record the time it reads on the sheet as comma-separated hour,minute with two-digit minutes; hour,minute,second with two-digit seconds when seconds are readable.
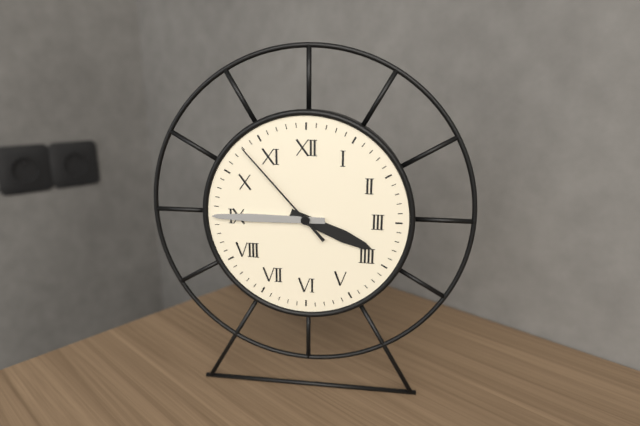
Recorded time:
3,45,53
